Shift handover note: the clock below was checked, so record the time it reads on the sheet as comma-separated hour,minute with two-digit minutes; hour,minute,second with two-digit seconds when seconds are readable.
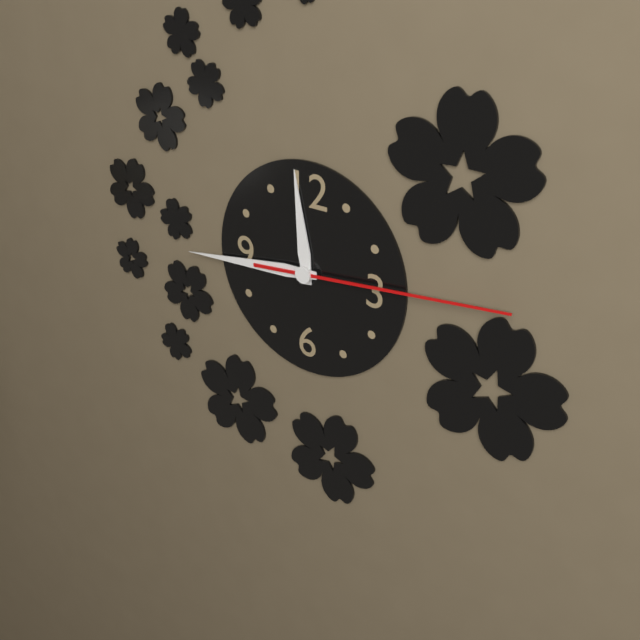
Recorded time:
11,44,14
